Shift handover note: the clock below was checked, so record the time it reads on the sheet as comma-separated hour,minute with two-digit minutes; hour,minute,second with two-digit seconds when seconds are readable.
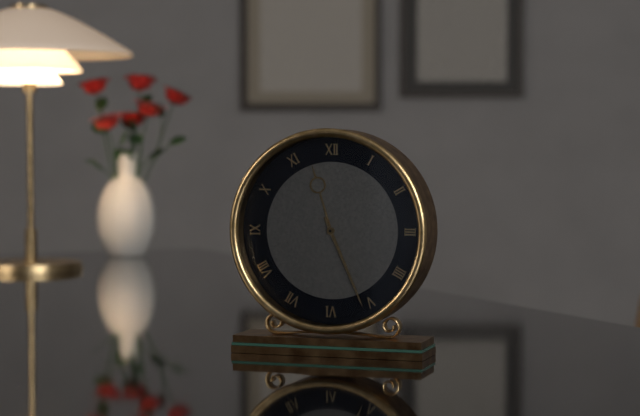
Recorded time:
11,26
